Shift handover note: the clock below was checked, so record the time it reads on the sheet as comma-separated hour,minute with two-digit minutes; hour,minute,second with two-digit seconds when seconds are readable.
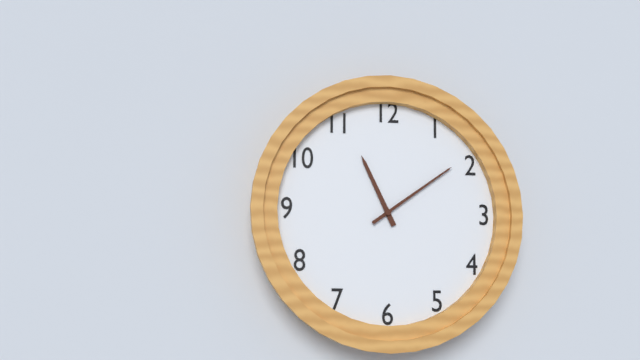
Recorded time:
11,09
